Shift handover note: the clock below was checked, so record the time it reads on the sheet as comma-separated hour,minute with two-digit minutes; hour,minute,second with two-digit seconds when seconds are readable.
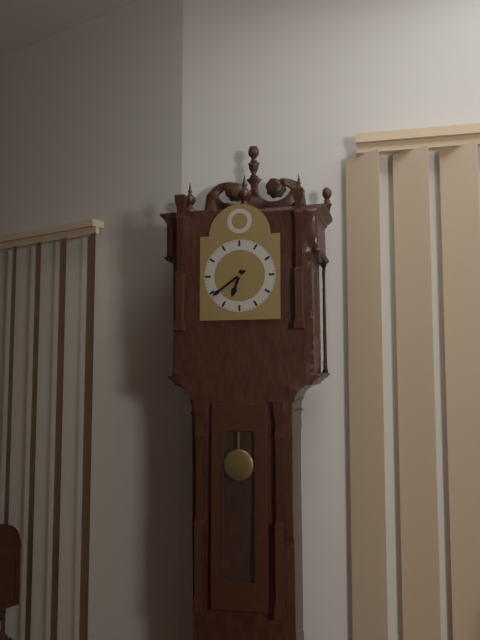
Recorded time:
6,39
